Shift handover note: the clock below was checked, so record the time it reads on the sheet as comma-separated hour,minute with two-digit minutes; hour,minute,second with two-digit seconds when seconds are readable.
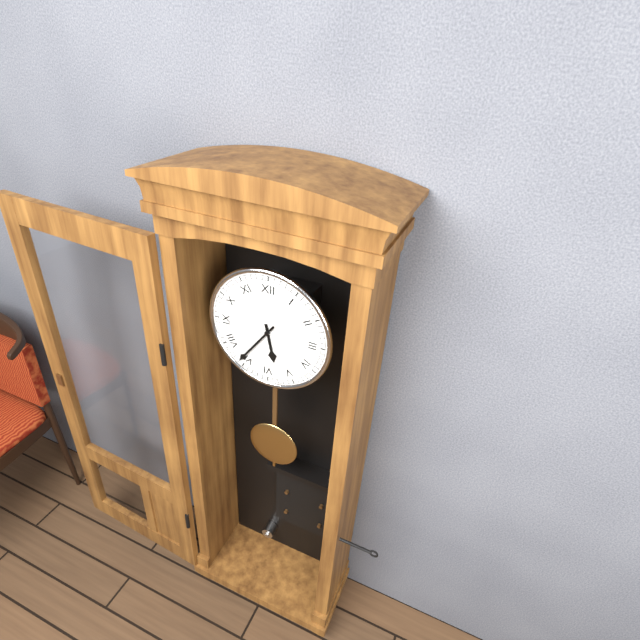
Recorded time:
5,36
